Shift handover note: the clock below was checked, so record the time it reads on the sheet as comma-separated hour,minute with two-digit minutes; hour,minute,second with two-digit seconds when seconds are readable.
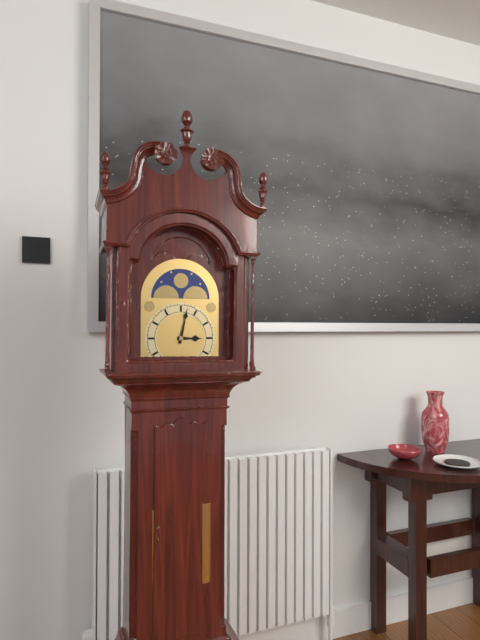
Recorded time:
3,02
